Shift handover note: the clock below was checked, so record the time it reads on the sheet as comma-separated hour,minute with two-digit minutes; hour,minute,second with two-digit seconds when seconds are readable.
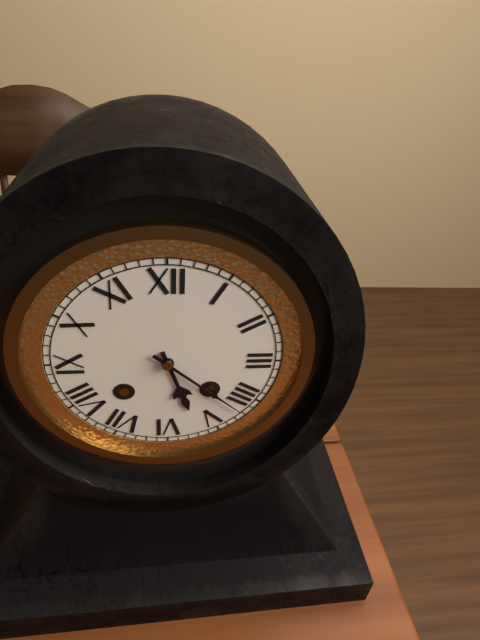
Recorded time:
5,22
